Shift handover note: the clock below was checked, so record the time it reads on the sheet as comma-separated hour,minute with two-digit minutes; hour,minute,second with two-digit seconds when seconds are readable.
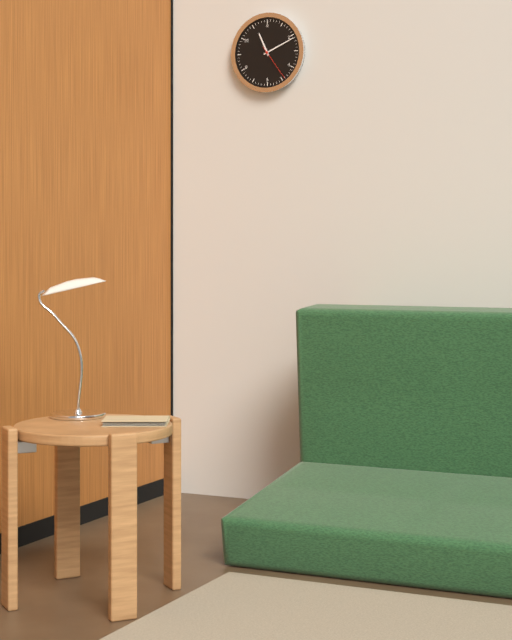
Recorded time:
11,11
